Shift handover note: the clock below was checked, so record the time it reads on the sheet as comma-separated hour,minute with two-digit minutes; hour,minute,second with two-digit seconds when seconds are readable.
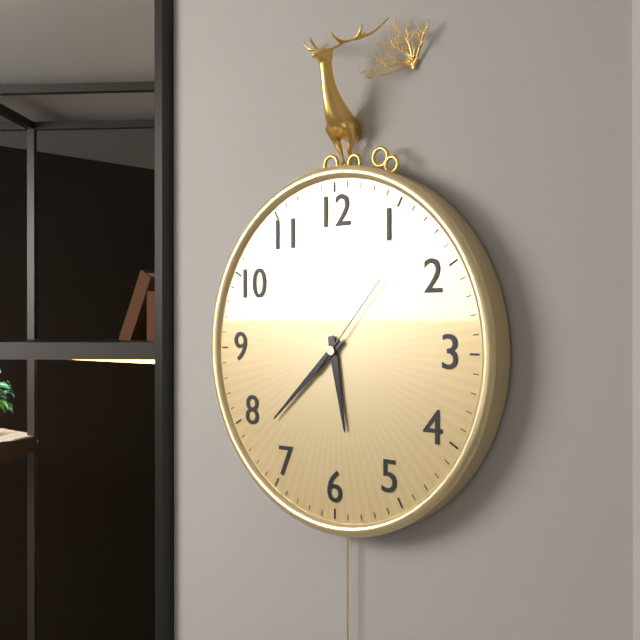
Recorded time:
5,38,07
